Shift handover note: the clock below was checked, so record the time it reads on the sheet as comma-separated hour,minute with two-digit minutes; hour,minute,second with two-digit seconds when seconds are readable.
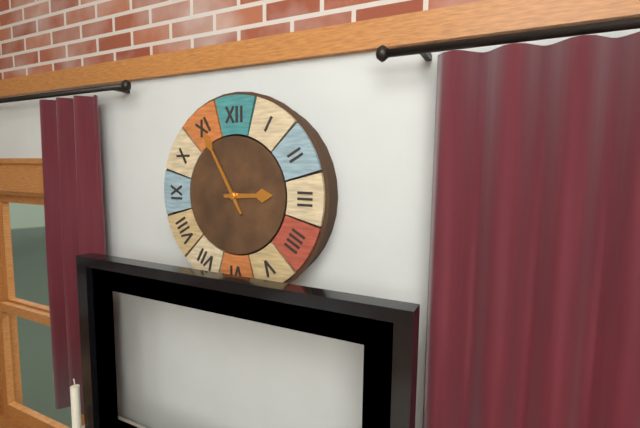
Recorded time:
2,55
